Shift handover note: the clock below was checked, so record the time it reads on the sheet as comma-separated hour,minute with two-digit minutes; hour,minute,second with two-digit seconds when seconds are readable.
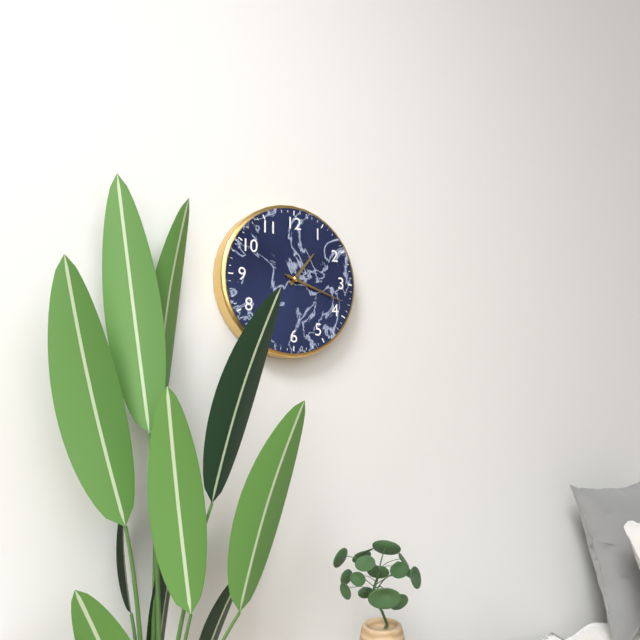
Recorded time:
1,18,18
